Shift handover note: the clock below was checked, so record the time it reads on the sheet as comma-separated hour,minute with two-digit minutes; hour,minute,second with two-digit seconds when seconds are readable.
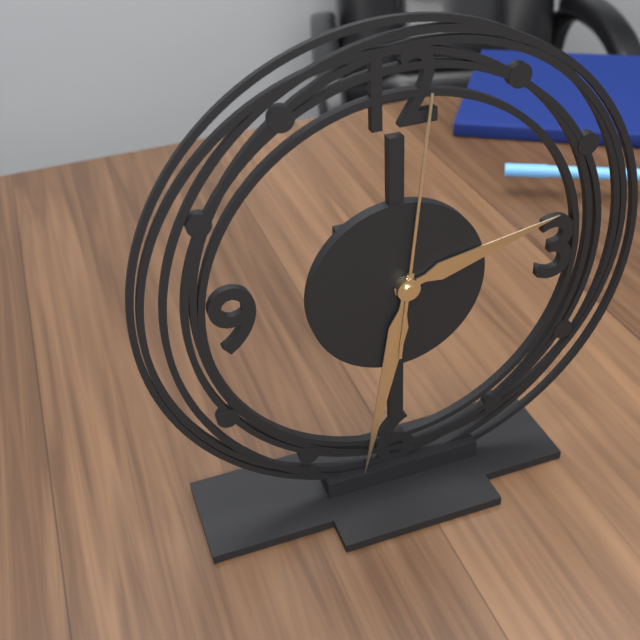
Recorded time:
2,32,01
